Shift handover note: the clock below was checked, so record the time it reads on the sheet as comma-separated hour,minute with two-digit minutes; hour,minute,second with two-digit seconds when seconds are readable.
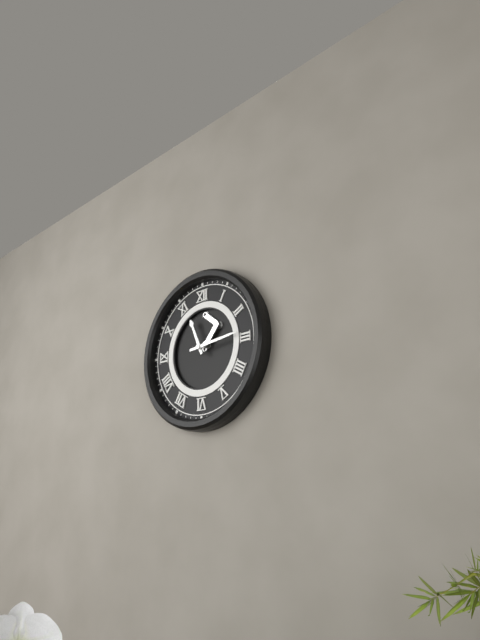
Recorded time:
11,14
